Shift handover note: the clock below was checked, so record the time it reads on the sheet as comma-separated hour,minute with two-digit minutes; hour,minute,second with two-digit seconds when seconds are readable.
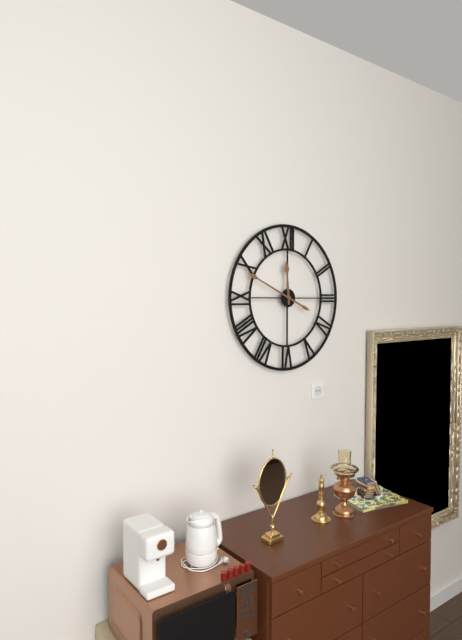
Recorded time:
11,49
